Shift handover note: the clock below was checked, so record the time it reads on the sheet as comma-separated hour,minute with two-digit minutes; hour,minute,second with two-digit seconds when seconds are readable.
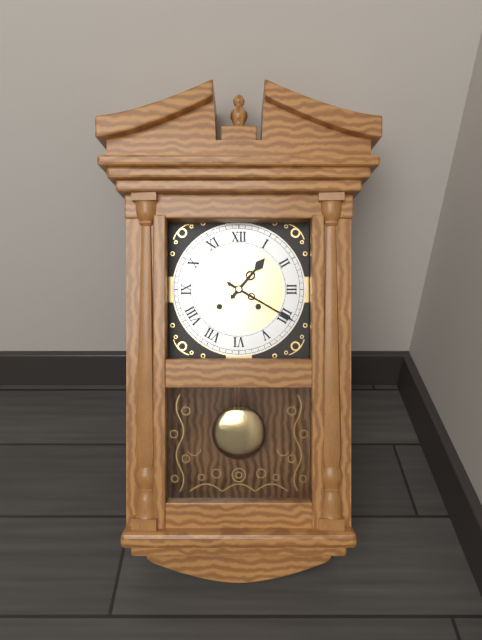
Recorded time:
1,20
